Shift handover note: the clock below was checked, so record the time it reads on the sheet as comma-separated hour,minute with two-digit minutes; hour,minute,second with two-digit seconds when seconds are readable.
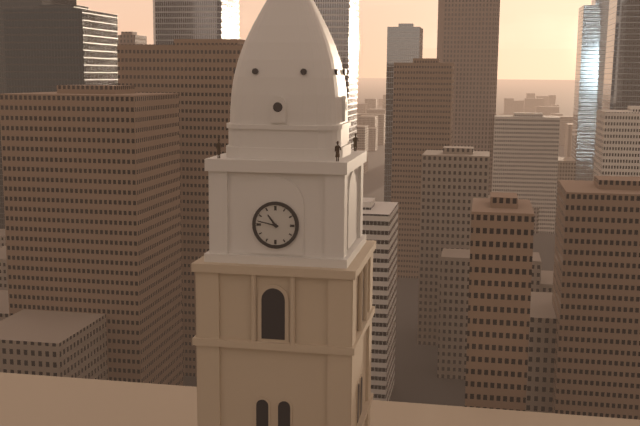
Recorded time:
10,47
